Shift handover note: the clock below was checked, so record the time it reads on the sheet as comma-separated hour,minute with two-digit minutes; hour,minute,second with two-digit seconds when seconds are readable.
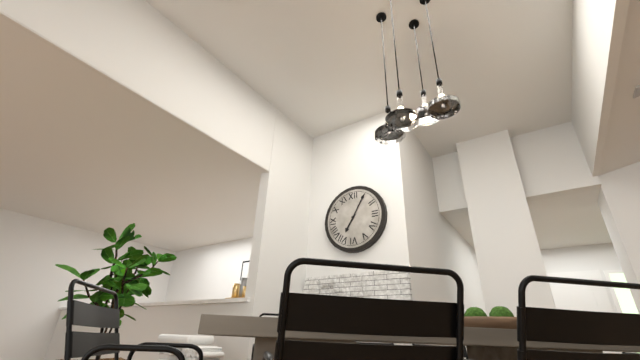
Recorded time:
7,05
